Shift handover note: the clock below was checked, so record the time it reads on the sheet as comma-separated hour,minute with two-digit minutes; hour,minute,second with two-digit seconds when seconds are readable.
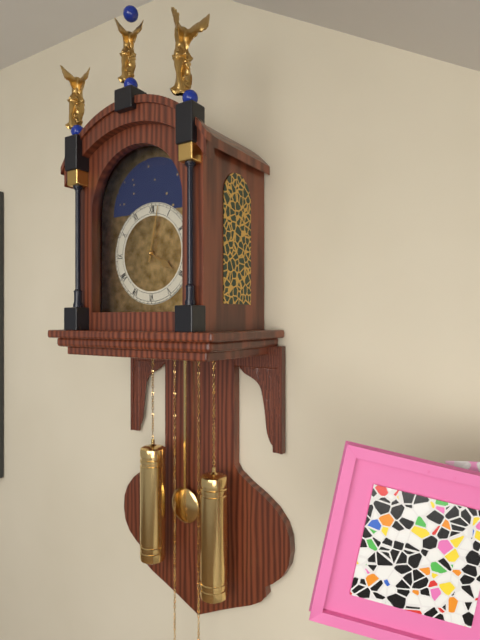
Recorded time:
4,02
